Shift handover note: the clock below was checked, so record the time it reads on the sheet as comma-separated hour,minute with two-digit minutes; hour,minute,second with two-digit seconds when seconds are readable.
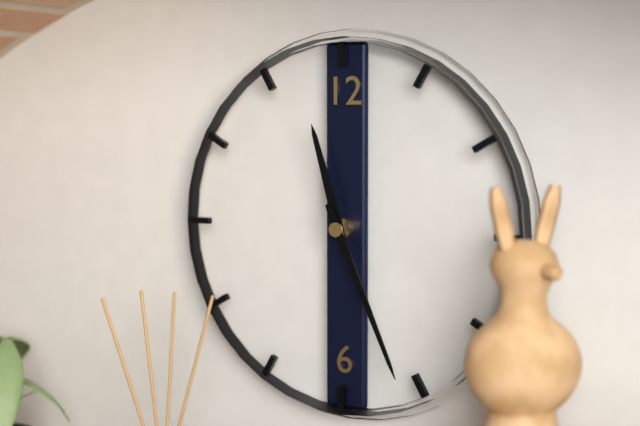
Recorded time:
11,26
